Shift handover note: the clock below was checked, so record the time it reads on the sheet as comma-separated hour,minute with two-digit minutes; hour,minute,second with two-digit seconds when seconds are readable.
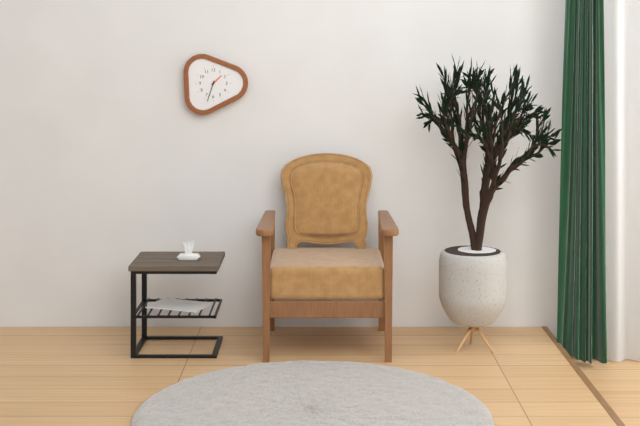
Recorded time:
1,33
